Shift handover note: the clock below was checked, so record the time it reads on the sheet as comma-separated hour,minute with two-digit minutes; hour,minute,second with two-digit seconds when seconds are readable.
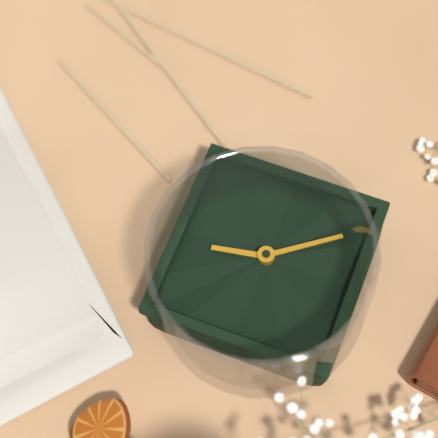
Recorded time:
2,39
